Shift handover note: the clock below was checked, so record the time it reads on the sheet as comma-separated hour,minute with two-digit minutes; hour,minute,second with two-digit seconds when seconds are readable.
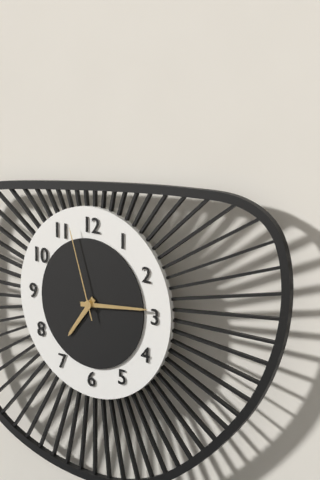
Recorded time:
7,14,57
